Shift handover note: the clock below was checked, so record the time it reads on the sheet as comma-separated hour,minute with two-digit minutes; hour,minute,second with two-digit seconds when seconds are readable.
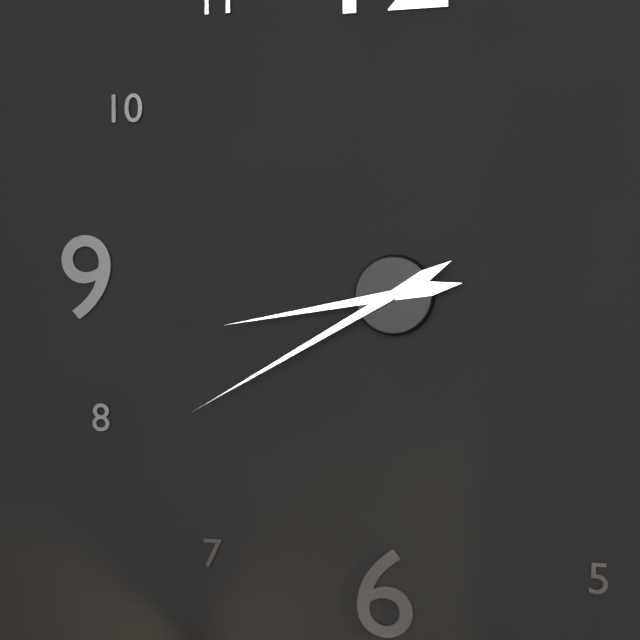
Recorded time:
8,40
